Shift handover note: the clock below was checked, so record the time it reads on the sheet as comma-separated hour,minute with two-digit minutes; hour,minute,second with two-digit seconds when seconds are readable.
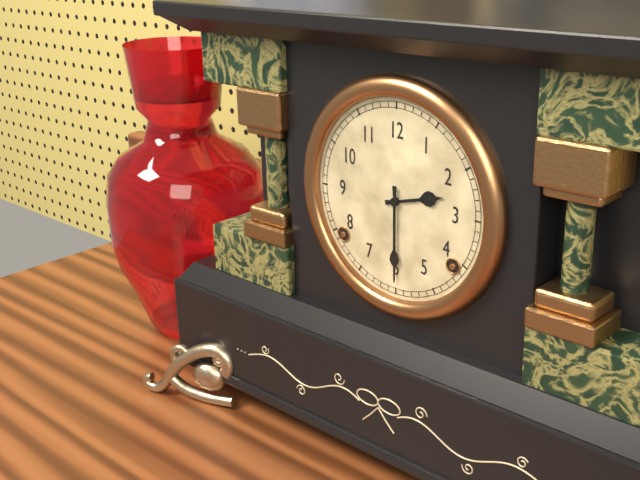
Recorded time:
2,30
